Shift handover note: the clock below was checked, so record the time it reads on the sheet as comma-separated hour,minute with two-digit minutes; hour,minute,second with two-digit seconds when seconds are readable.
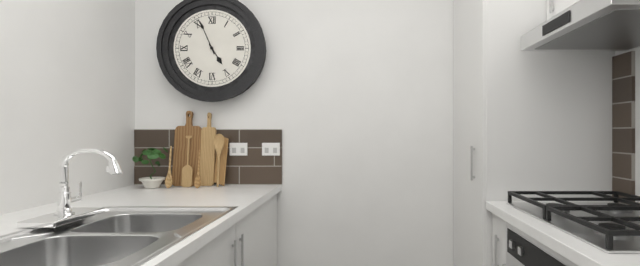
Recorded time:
4,56
